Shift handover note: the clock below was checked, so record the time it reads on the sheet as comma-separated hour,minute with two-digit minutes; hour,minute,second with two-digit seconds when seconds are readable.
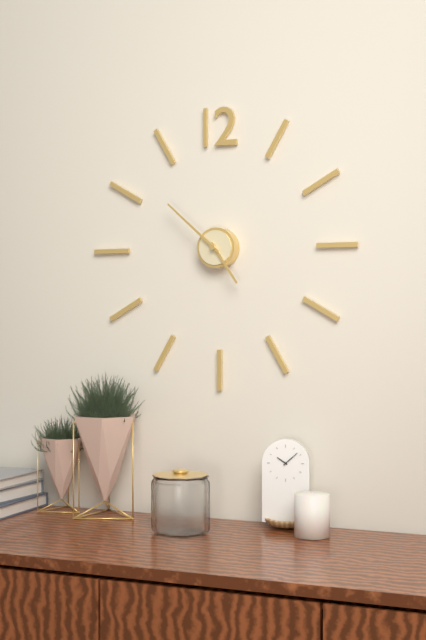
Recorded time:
4,52
